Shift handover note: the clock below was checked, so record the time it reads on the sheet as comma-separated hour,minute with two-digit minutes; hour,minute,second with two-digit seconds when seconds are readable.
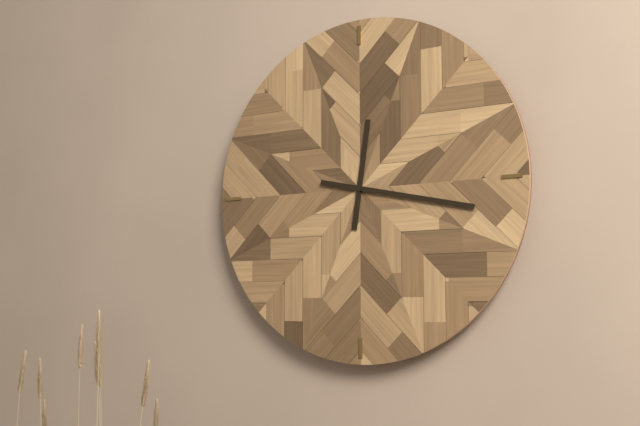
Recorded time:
12,17
